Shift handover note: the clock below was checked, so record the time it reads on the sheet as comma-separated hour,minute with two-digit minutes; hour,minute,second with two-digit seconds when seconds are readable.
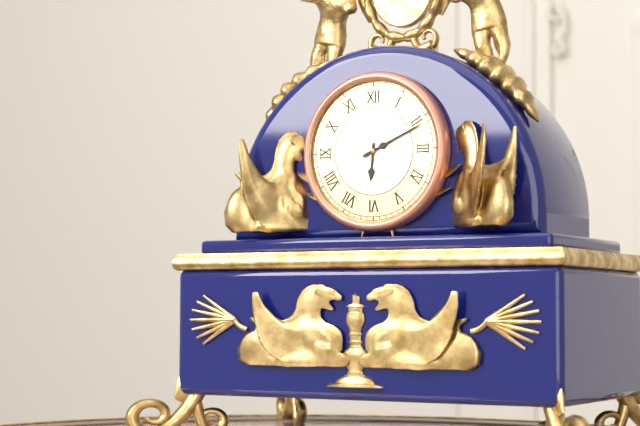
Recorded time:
6,11
